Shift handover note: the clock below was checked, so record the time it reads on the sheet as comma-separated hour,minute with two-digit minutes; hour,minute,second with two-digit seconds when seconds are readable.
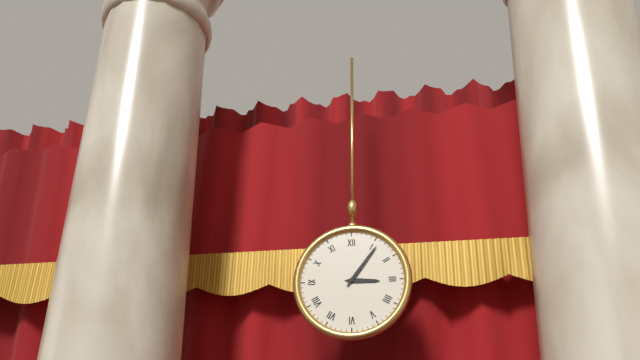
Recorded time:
3,06
